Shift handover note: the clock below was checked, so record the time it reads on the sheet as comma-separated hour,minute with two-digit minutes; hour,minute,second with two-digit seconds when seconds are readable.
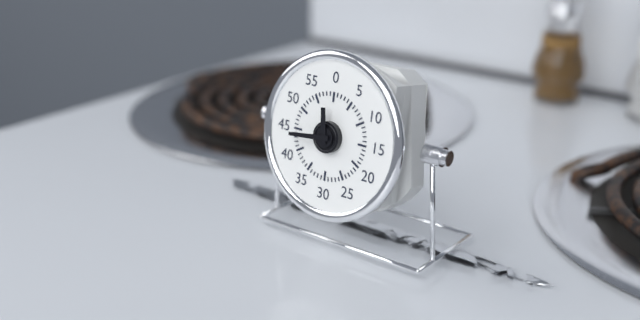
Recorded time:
11,44
